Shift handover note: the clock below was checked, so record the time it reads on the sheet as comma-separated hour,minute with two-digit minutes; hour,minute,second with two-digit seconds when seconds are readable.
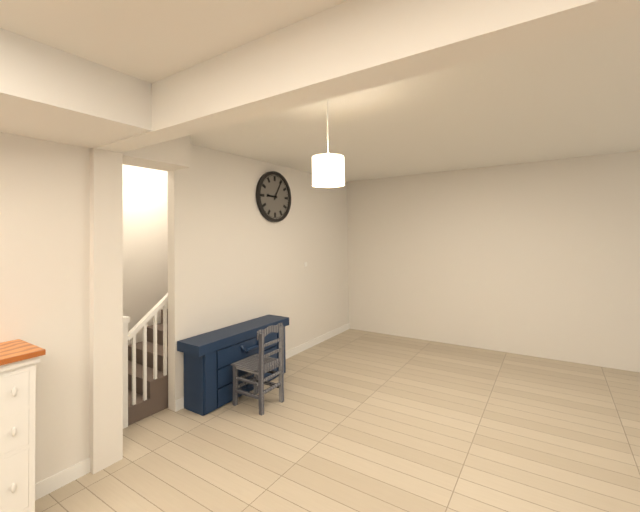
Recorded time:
9,05
